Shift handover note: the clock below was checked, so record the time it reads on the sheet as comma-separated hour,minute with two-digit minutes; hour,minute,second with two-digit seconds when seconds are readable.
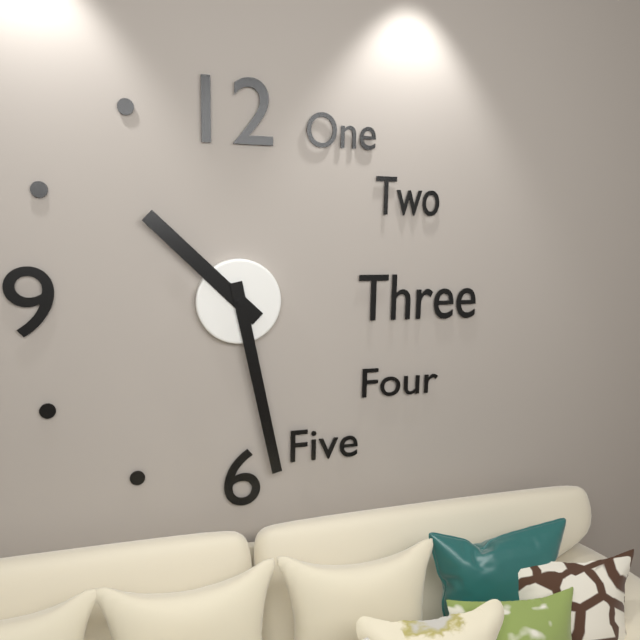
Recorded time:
10,28
